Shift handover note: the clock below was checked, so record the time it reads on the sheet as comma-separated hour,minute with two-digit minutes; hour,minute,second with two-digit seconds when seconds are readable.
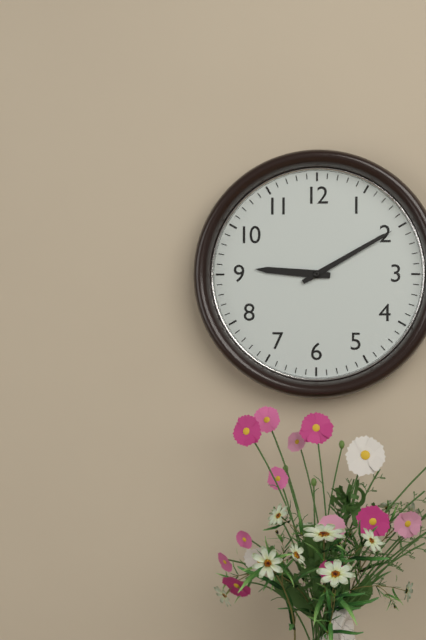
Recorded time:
9,10
